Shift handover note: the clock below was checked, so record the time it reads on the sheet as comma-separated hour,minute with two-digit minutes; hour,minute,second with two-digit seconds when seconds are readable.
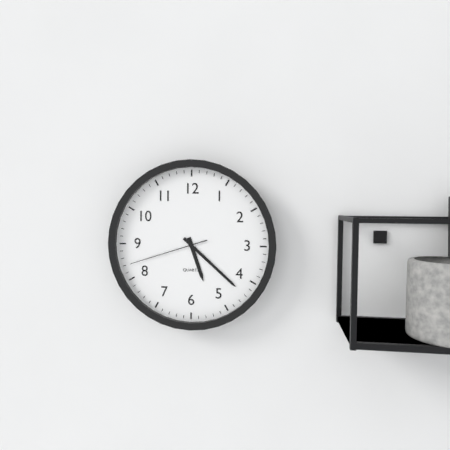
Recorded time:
5,22,42
